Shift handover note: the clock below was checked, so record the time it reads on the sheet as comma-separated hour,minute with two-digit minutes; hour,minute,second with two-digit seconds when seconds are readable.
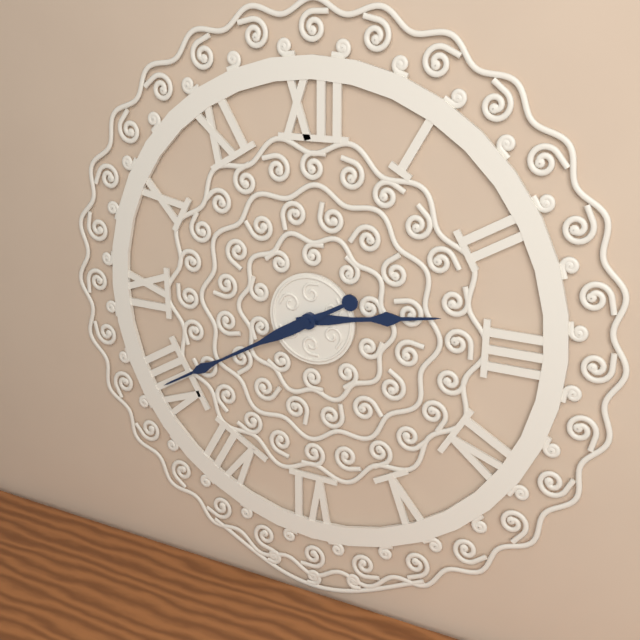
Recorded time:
2,40
